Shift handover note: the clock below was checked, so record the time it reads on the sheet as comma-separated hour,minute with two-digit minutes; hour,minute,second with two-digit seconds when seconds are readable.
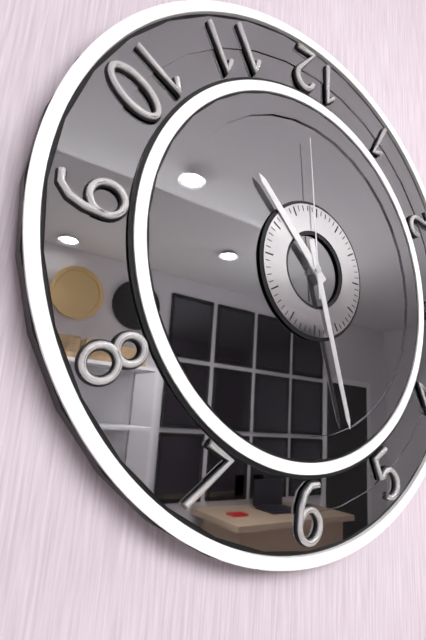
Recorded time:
10,27,59
